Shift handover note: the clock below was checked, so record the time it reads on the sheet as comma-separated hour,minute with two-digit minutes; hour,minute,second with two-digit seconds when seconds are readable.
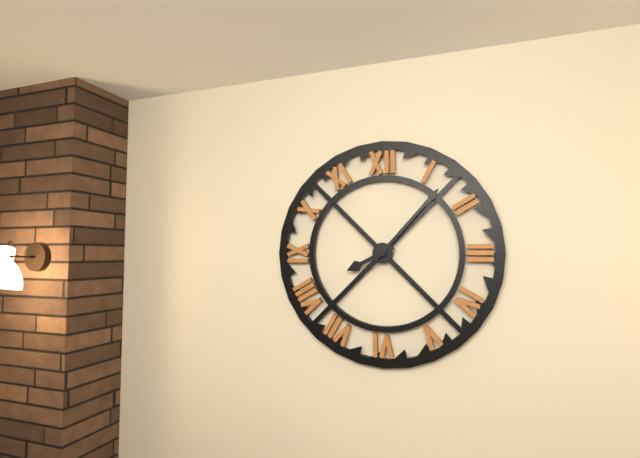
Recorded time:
8,07
